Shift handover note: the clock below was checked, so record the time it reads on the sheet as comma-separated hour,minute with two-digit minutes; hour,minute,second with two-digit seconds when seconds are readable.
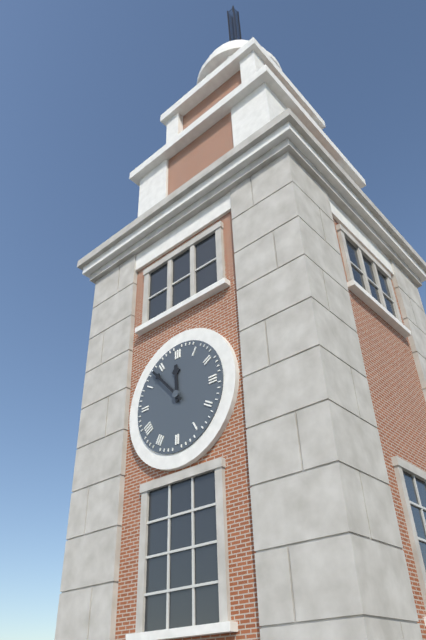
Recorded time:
11,53
